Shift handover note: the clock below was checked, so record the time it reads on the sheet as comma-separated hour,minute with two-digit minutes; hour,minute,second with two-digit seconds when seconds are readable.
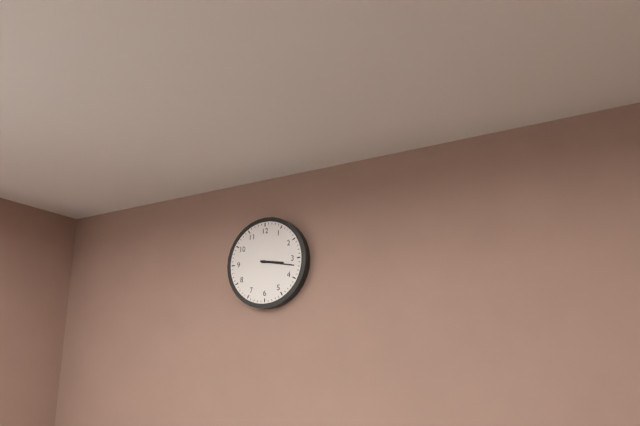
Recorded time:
3,17
